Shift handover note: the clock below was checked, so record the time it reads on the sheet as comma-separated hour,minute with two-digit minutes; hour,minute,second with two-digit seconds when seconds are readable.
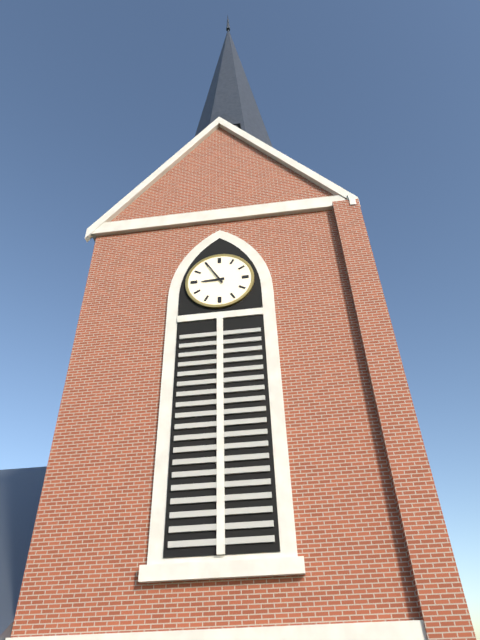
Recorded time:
8,55
